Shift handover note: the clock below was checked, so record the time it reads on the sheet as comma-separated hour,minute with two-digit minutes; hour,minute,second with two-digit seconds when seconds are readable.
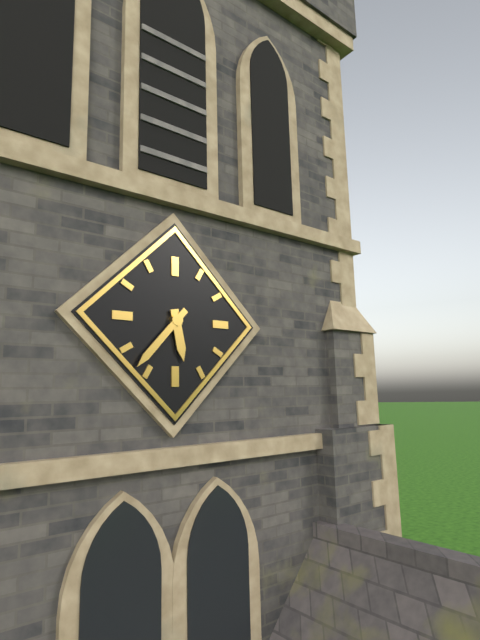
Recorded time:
5,37
